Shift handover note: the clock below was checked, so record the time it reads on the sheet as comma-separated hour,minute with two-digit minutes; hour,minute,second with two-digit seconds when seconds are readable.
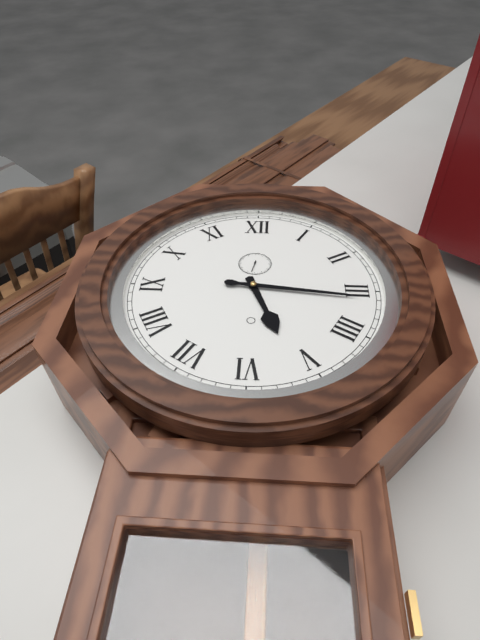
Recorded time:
5,16
